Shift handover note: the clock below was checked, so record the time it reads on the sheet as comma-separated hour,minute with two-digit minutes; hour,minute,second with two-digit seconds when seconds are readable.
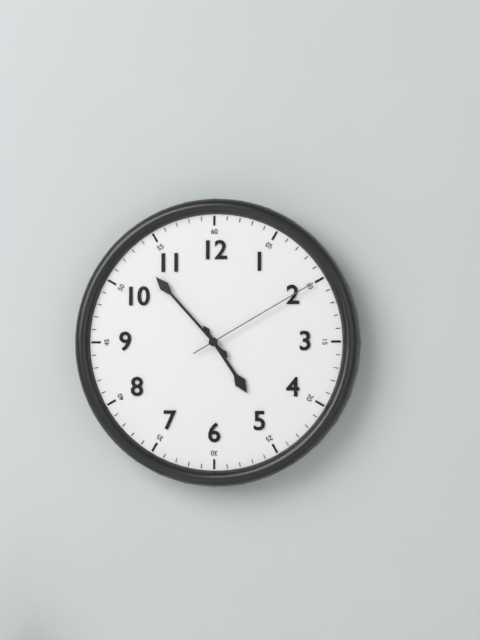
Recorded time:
4,53,10
